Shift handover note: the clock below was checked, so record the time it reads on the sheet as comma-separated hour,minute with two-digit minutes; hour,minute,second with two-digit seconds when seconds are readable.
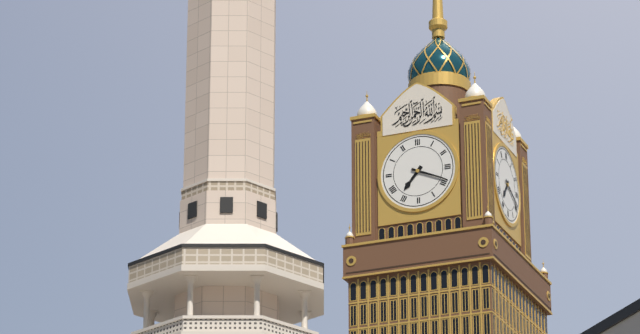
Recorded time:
7,19
